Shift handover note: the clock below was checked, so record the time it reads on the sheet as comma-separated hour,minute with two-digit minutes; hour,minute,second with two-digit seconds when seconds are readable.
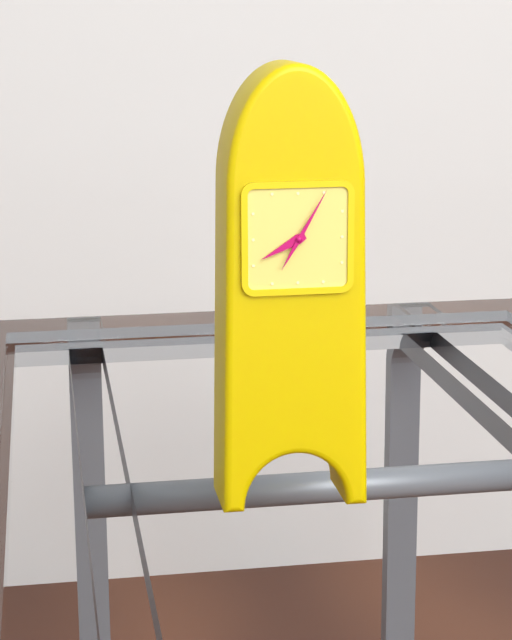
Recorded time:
8,05
